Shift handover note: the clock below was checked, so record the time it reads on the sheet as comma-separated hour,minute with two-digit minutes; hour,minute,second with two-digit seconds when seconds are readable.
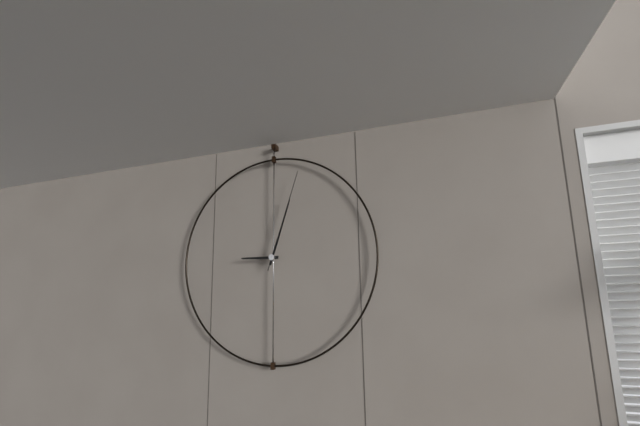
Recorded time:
9,03,03
